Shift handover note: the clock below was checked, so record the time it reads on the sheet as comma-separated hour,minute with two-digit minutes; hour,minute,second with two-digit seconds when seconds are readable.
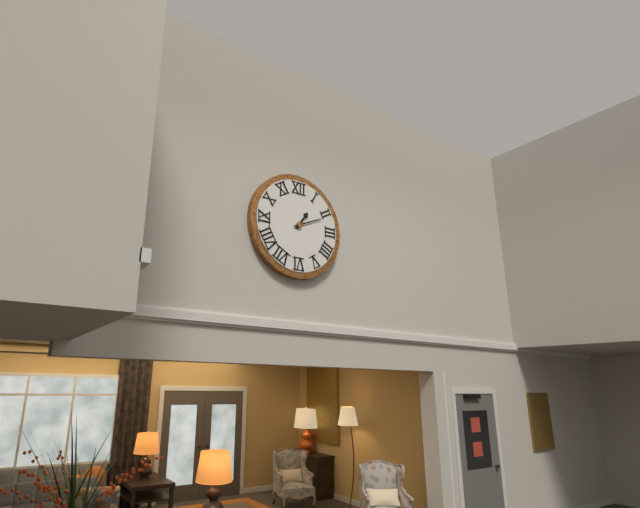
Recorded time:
1,11
